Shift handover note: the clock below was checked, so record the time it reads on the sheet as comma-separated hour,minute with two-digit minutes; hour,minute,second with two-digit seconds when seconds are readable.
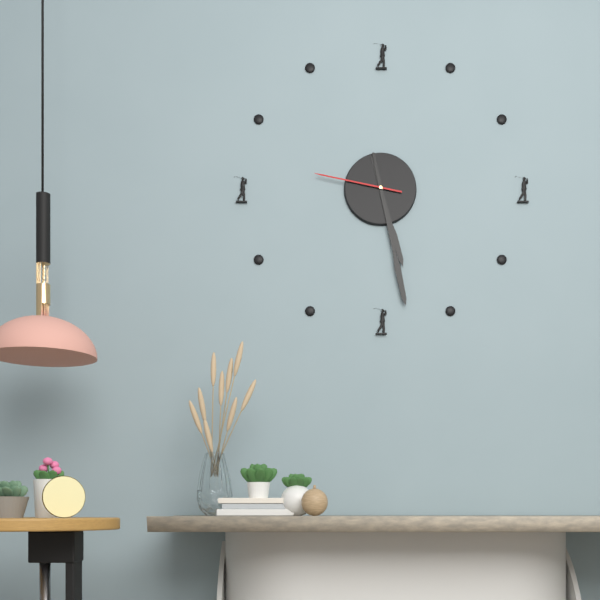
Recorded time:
5,28,47
